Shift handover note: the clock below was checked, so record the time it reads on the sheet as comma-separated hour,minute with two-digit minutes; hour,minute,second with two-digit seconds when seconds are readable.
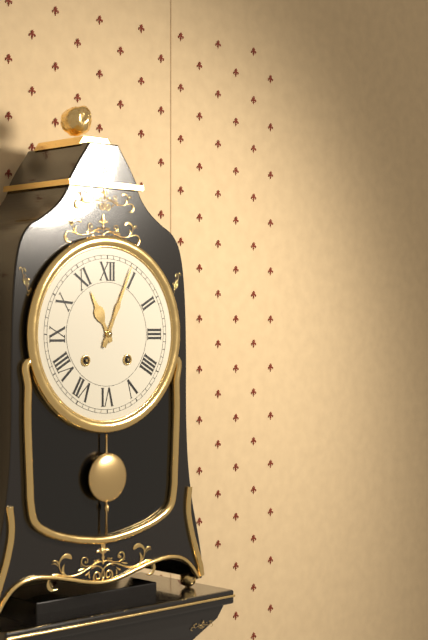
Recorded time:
11,04
